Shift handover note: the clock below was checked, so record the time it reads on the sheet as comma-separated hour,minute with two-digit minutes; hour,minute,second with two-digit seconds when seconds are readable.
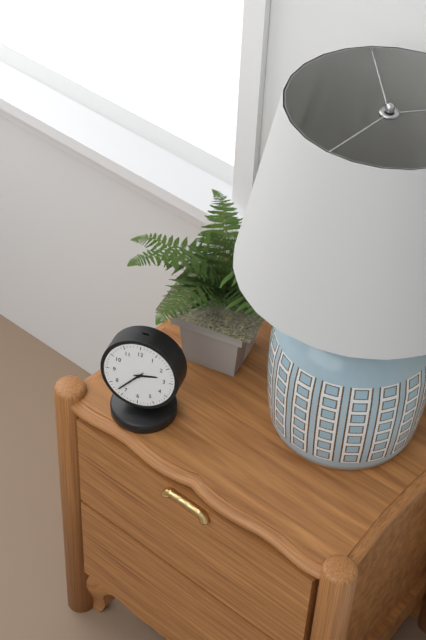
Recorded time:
2,37
